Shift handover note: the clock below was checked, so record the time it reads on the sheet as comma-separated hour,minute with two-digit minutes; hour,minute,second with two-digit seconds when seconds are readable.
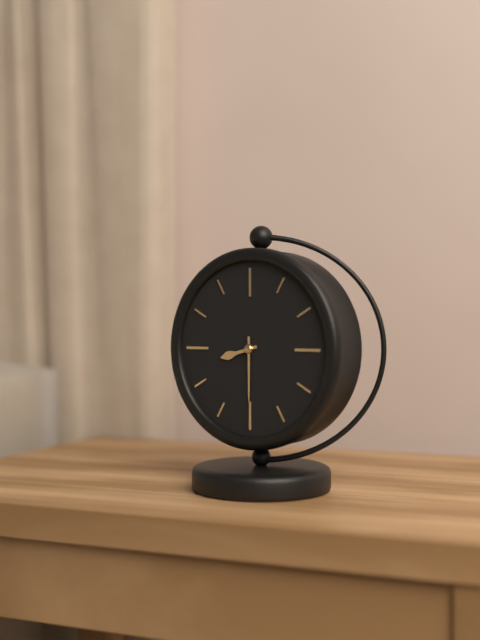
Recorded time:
8,30
